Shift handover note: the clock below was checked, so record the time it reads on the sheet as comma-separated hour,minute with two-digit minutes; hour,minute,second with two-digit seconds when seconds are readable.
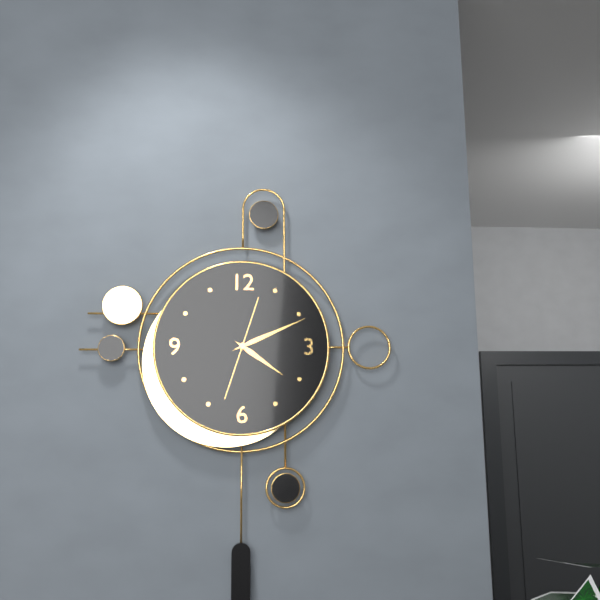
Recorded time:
4,11,33
